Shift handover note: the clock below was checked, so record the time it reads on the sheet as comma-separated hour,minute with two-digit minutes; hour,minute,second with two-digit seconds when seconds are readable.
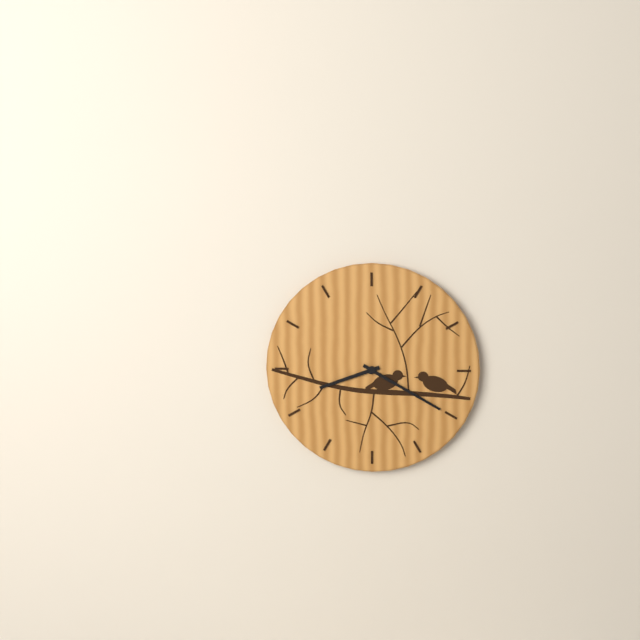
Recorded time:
8,20
